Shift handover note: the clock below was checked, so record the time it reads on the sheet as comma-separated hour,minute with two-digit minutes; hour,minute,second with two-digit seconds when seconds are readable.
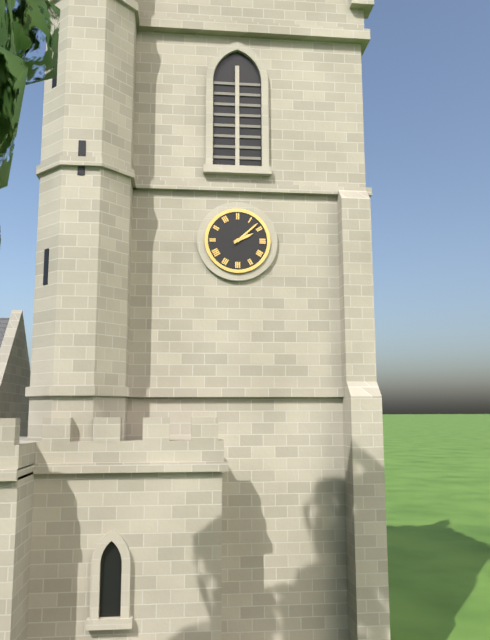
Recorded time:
2,08
